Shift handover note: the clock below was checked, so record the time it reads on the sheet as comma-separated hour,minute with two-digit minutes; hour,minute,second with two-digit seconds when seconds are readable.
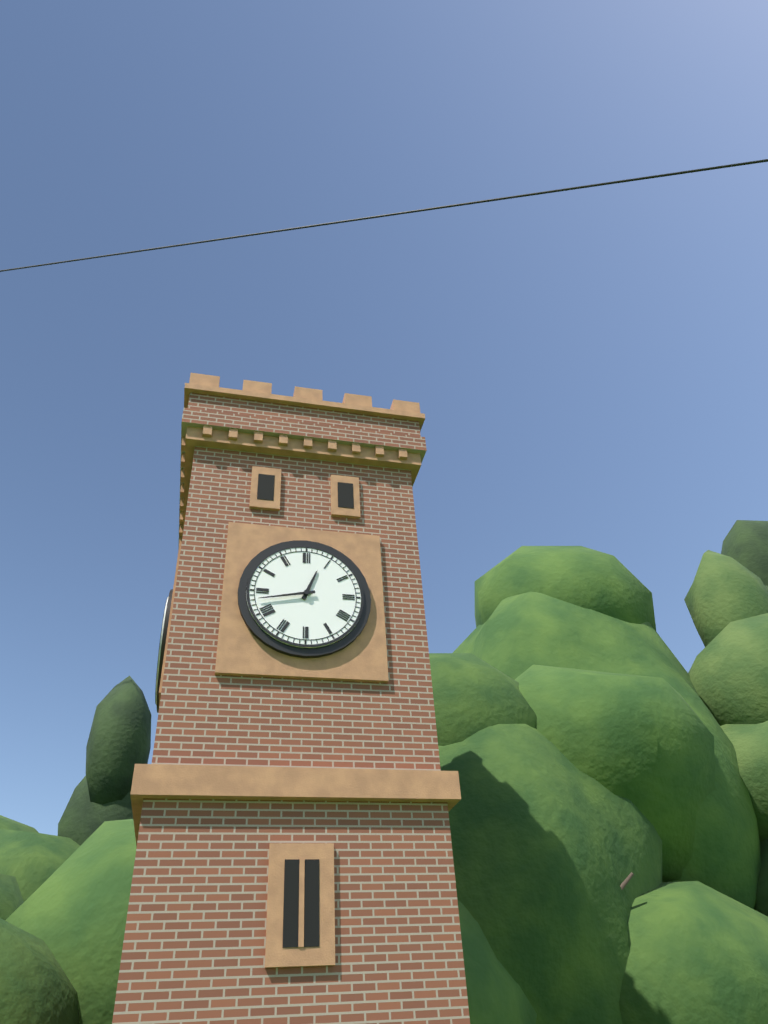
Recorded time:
12,43
